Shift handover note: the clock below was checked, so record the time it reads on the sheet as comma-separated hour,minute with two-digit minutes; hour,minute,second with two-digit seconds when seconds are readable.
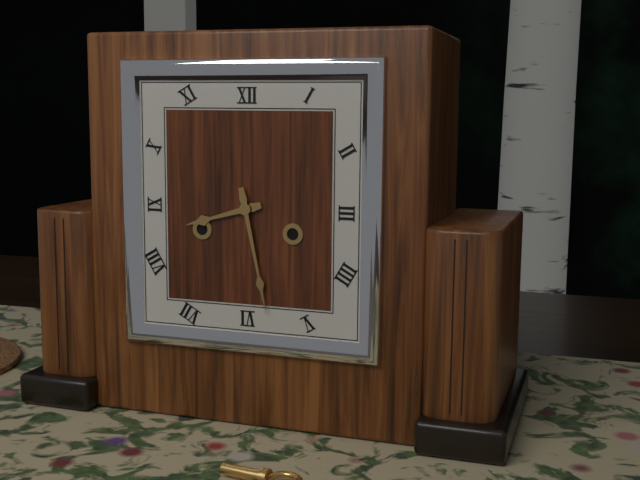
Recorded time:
8,28
